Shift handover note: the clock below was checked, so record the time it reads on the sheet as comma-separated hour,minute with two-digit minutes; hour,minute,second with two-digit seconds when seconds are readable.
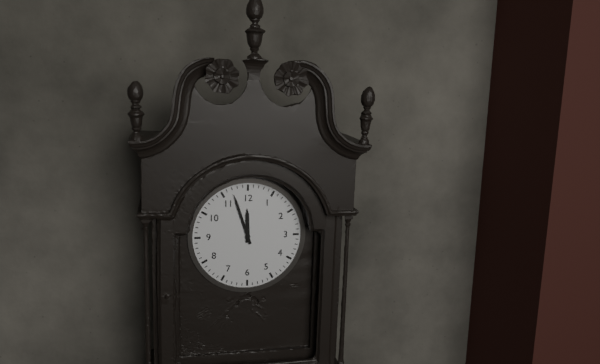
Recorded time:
11,57
